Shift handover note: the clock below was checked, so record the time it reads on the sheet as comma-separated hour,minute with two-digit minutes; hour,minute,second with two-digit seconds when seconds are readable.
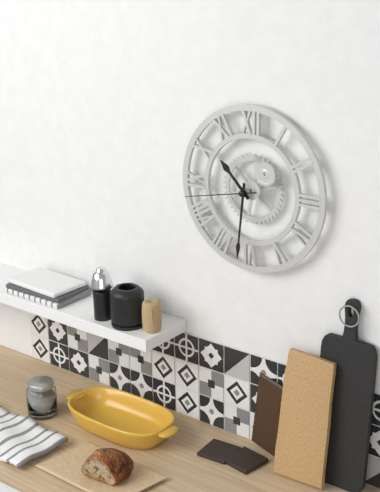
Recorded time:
10,31,43
